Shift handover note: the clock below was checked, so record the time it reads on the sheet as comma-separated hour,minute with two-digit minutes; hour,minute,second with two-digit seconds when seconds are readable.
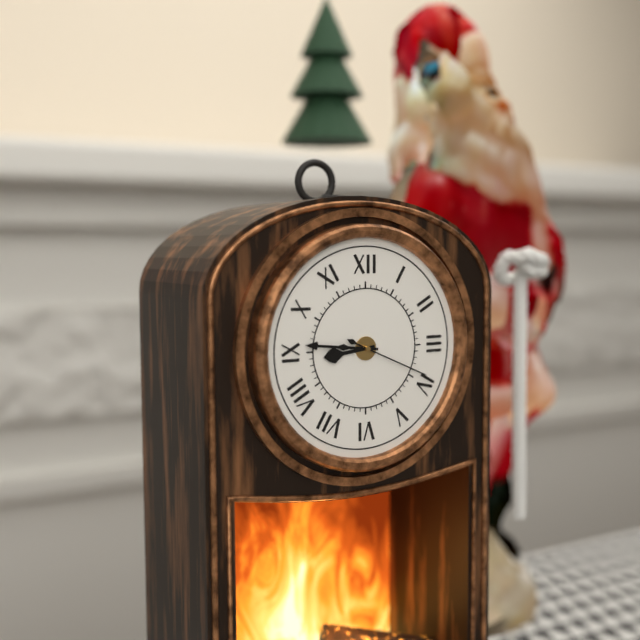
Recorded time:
8,46,19
